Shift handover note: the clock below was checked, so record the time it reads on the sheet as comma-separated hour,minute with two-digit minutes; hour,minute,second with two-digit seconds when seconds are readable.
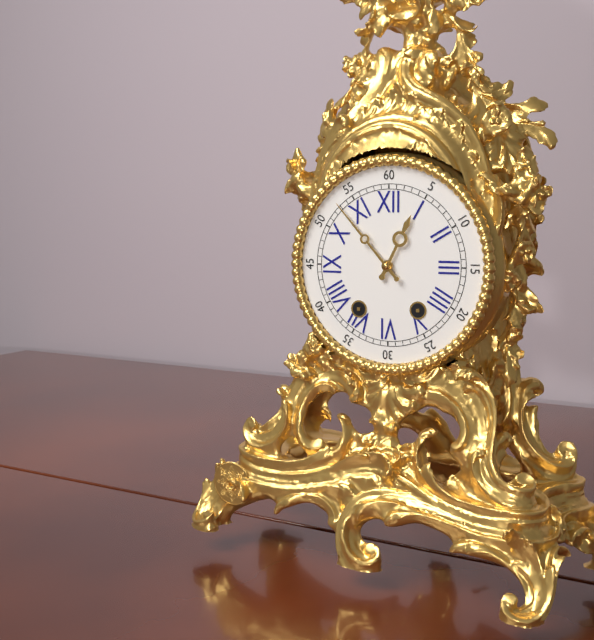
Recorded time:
12,53
